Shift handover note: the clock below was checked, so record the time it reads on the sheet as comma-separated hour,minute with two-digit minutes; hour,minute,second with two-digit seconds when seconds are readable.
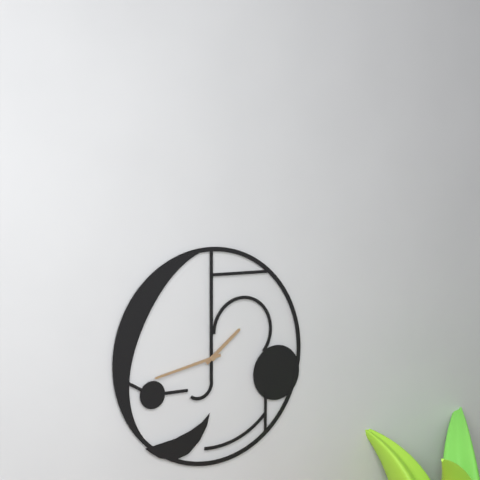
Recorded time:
1,43
